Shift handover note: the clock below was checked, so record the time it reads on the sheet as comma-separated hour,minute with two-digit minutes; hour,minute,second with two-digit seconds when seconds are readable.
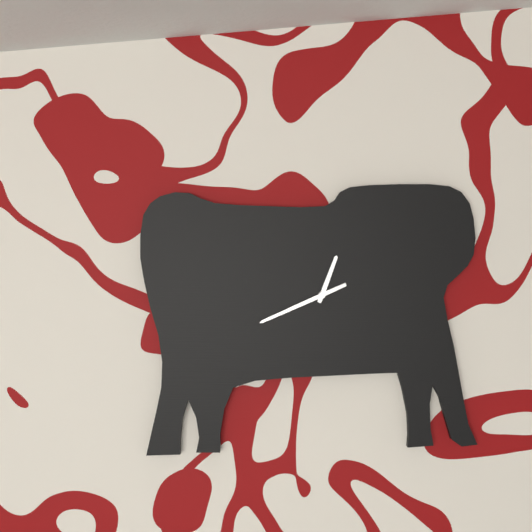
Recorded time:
12,41
